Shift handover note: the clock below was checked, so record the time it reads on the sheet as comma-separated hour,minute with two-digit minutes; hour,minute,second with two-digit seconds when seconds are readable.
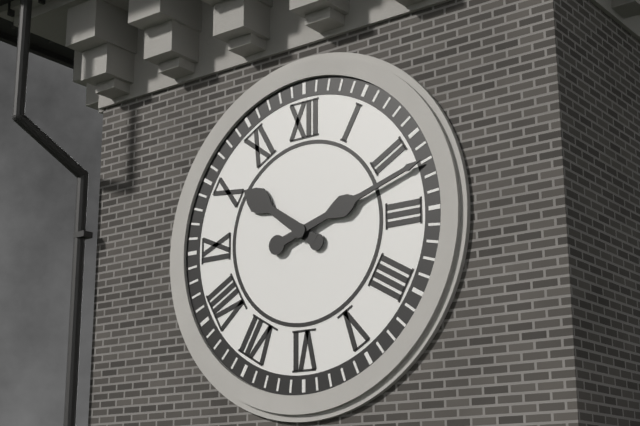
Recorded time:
10,12
